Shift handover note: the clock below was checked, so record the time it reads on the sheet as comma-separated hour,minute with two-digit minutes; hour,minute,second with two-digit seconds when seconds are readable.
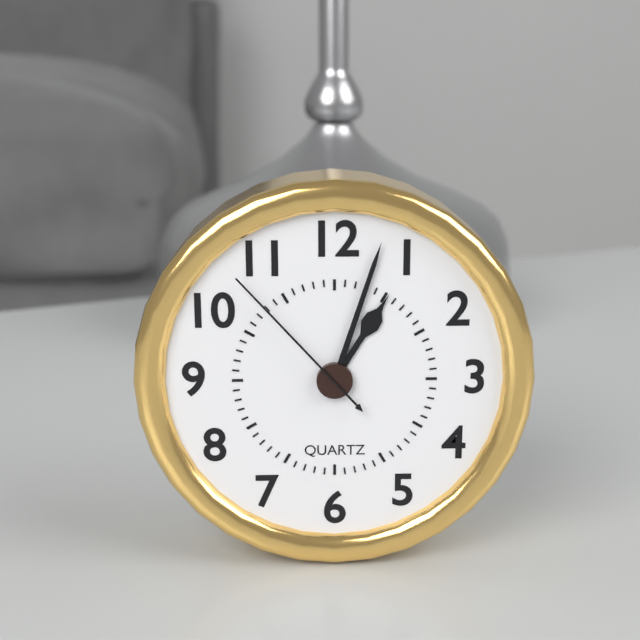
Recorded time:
1,03,53
